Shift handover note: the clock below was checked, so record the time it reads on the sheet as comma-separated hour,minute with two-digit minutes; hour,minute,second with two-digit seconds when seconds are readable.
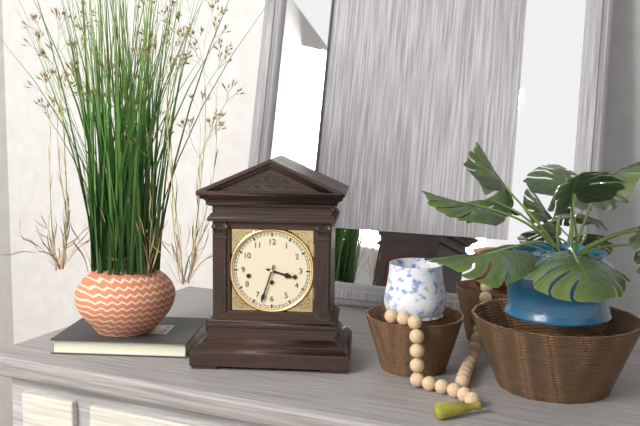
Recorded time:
3,33
